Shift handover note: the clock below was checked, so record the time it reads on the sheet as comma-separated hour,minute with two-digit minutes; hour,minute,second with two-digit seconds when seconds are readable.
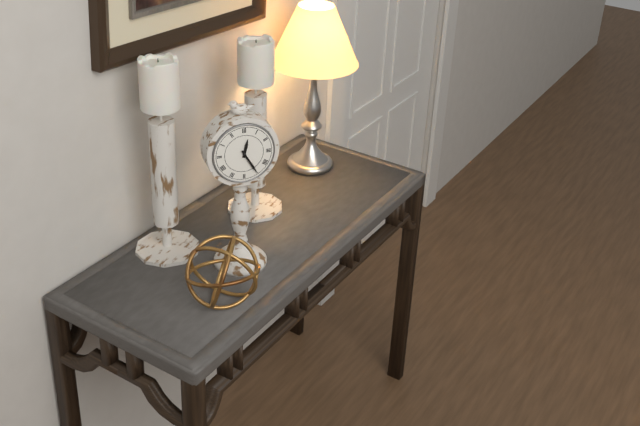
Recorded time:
12,25
